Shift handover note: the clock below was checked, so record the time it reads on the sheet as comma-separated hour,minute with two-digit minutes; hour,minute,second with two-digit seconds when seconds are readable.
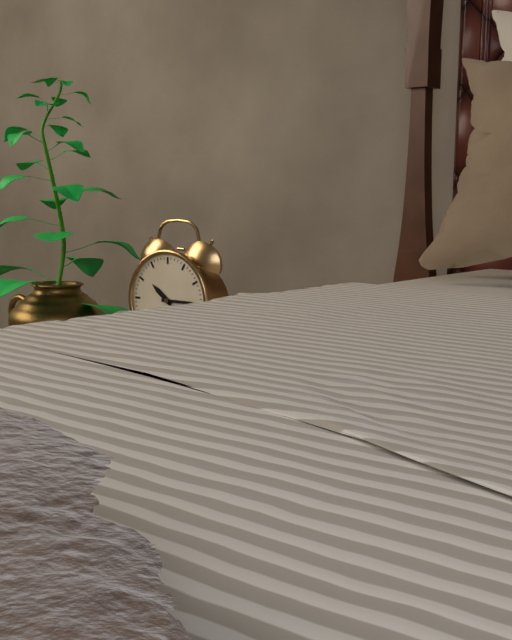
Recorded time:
10,15
